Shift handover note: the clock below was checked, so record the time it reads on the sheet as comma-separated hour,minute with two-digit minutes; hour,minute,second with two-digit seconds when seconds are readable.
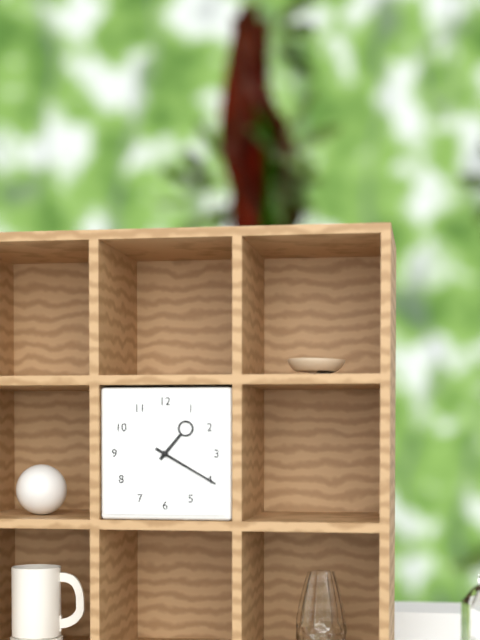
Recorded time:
1,20
